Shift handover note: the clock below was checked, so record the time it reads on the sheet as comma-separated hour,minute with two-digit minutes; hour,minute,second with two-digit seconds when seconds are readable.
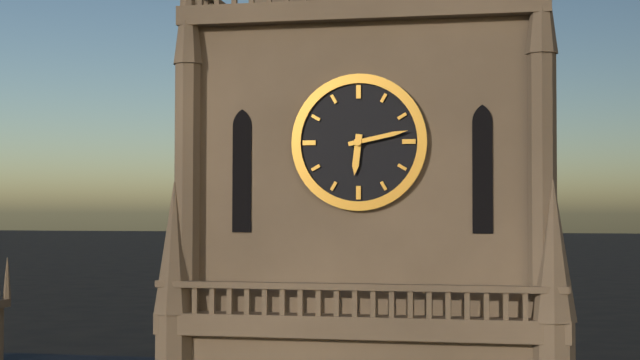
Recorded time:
6,13
